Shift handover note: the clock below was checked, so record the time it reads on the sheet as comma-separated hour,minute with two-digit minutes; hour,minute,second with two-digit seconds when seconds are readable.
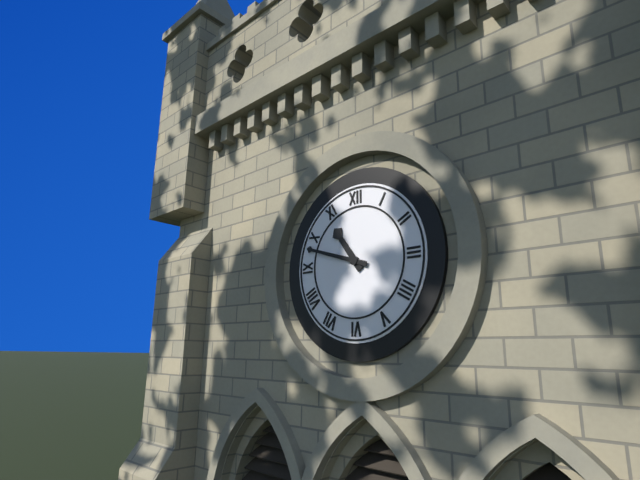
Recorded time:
10,48
